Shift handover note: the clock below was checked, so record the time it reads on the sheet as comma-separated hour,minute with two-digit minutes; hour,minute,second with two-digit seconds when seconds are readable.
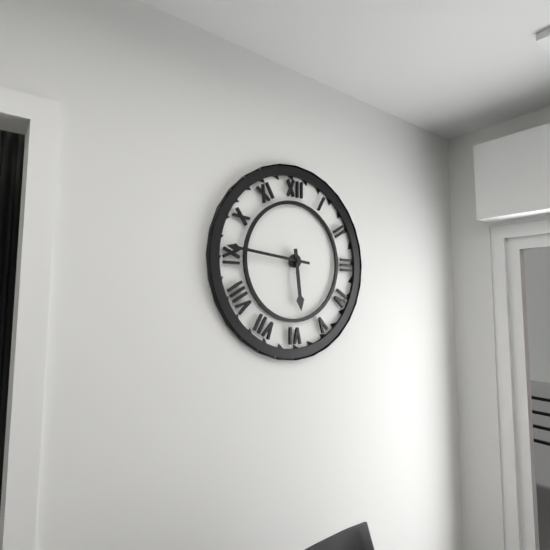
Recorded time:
5,46
